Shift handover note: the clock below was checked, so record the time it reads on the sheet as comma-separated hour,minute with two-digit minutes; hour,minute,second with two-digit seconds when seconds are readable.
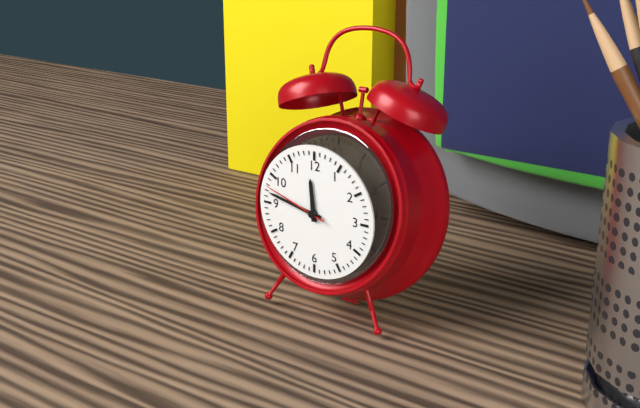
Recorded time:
11,47,48
